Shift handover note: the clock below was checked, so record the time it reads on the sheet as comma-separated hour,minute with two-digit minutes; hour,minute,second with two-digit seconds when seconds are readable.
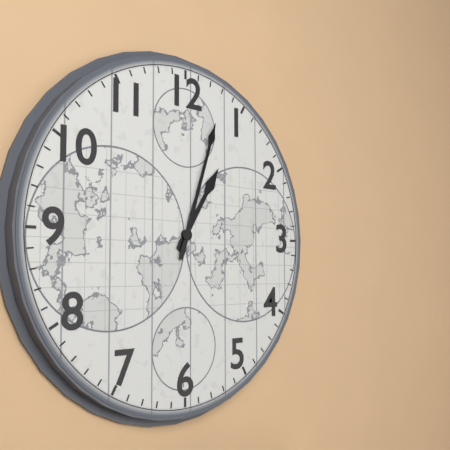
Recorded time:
1,03
